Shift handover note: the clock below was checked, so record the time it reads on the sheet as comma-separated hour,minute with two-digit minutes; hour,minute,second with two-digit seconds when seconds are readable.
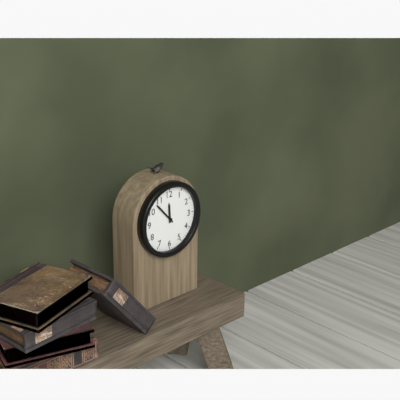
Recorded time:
11,53
